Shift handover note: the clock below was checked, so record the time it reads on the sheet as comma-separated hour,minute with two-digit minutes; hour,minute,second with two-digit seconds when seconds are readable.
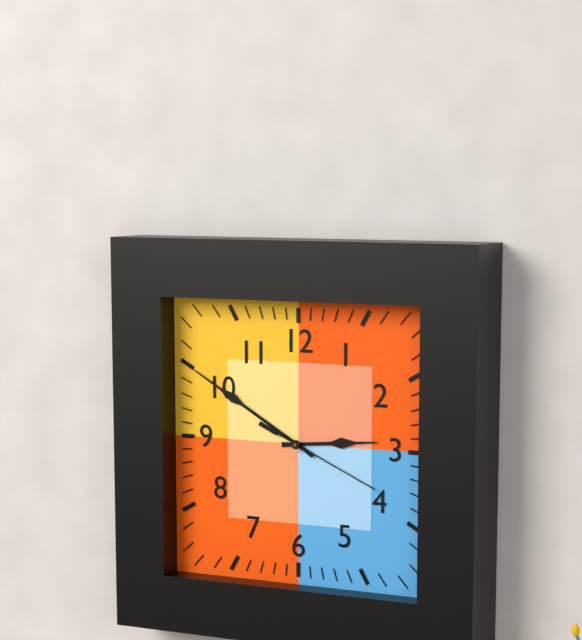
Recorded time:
2,50,19
